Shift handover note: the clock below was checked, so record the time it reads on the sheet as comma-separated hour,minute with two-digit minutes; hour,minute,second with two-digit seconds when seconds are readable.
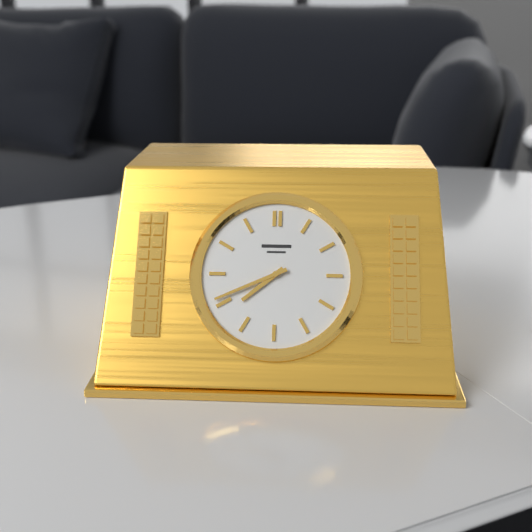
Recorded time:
7,41
